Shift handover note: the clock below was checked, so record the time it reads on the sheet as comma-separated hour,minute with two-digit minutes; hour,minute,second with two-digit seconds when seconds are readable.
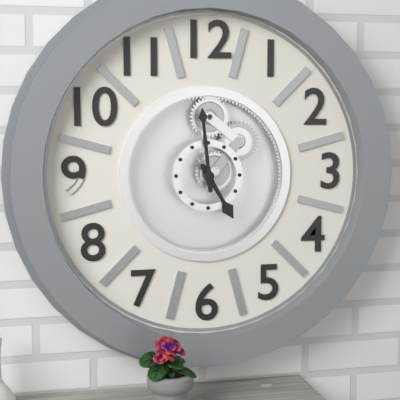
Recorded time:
4,59
